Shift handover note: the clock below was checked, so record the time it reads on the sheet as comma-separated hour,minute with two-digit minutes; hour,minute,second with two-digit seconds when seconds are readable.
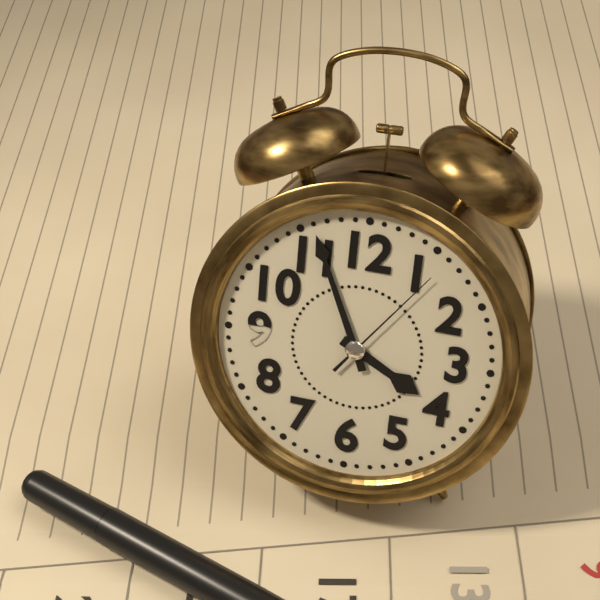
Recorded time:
3,56,06
